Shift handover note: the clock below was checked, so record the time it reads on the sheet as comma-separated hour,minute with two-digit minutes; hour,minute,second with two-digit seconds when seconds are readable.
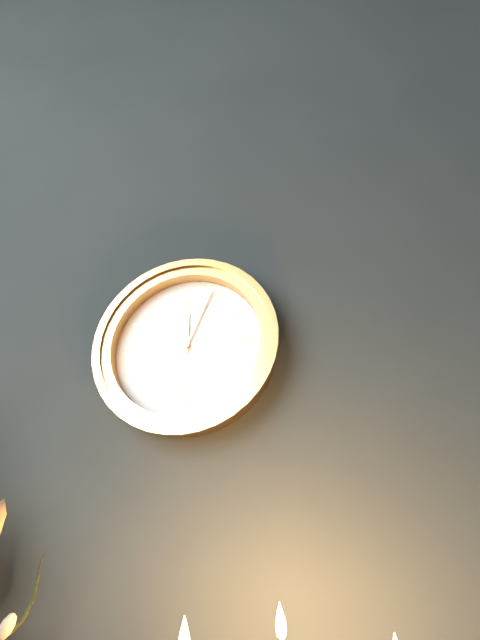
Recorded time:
12,04
